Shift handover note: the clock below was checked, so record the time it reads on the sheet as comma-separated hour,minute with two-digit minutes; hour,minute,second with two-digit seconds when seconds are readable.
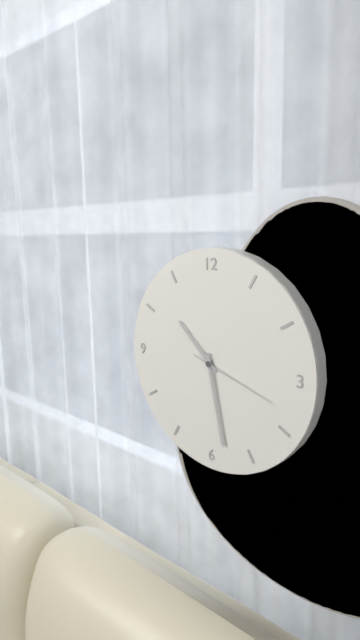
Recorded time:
10,28,18
